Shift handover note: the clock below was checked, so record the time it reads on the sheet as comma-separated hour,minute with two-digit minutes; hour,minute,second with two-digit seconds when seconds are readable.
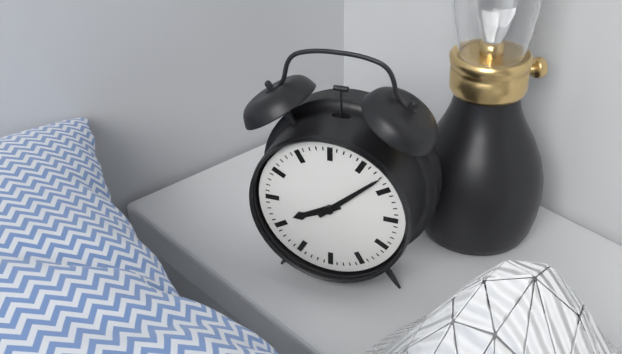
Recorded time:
8,08
